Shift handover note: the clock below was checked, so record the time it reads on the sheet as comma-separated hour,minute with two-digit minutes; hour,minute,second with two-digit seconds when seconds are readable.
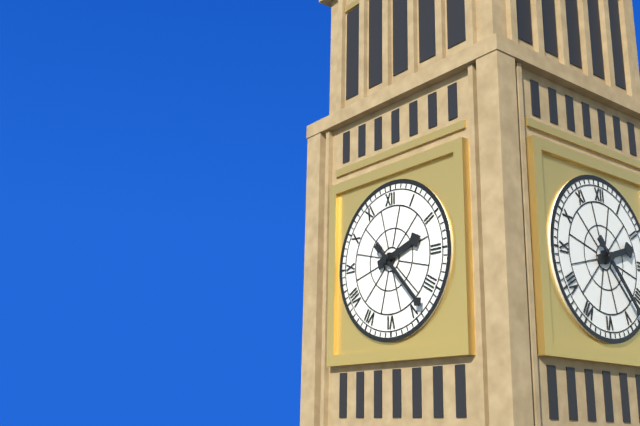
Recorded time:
2,23
